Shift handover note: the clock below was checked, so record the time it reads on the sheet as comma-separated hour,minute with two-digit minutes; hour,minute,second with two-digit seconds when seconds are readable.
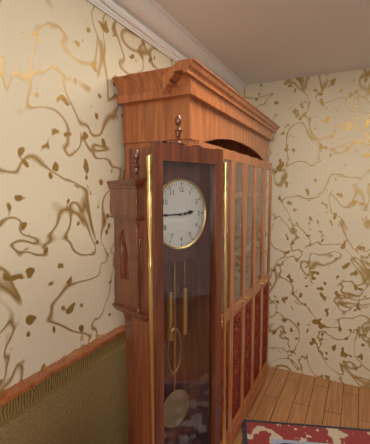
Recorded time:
2,45
